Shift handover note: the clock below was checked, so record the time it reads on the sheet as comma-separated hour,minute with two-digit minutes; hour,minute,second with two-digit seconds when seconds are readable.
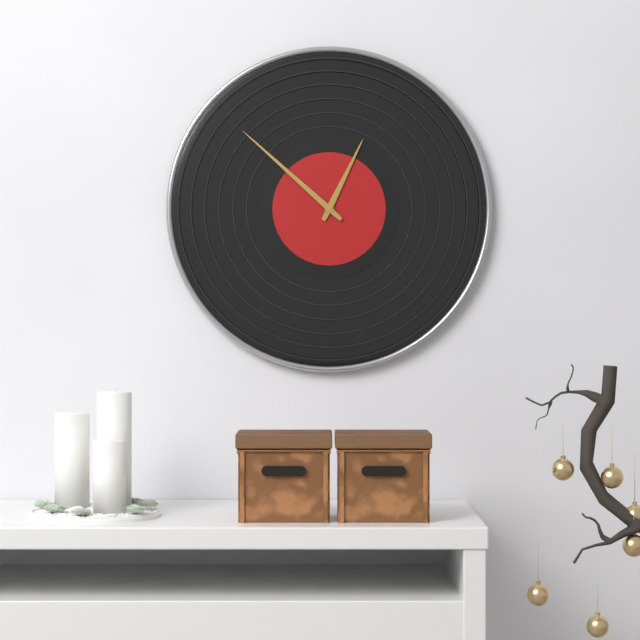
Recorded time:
12,52
